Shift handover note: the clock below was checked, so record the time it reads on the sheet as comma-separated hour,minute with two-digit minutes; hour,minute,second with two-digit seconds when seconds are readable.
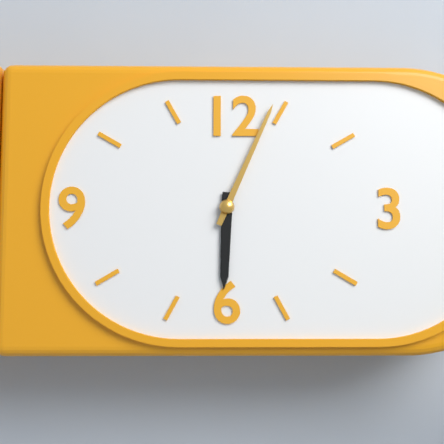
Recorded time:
6,04
